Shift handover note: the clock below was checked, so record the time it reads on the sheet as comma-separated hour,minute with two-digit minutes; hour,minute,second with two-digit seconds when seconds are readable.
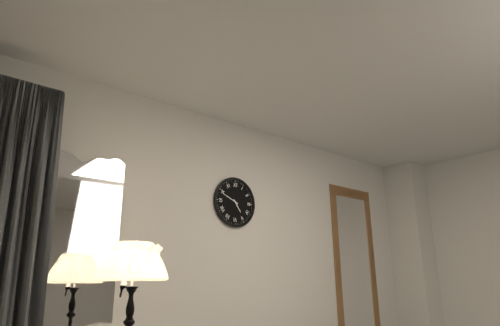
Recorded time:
4,49
